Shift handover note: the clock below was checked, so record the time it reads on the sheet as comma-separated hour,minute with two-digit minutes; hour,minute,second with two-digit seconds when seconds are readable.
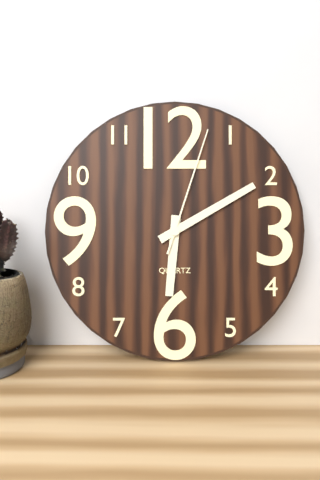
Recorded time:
6,10,03
